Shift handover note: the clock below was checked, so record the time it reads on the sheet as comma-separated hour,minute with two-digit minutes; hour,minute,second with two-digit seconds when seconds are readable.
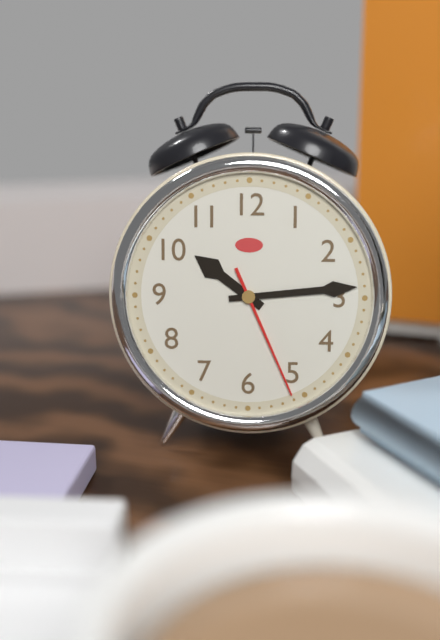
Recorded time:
10,14,26
